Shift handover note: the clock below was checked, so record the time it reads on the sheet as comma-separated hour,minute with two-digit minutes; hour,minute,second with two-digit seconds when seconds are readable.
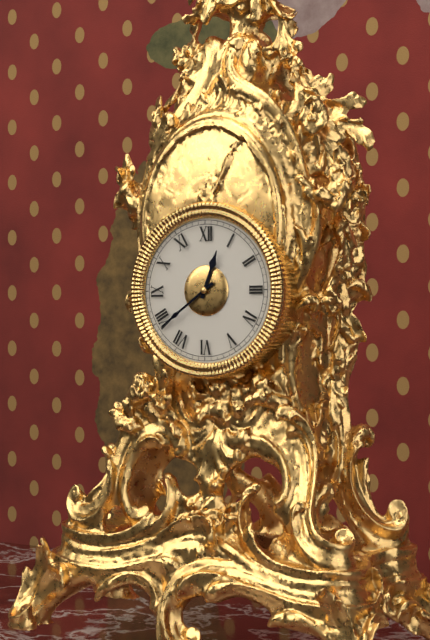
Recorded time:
12,39
